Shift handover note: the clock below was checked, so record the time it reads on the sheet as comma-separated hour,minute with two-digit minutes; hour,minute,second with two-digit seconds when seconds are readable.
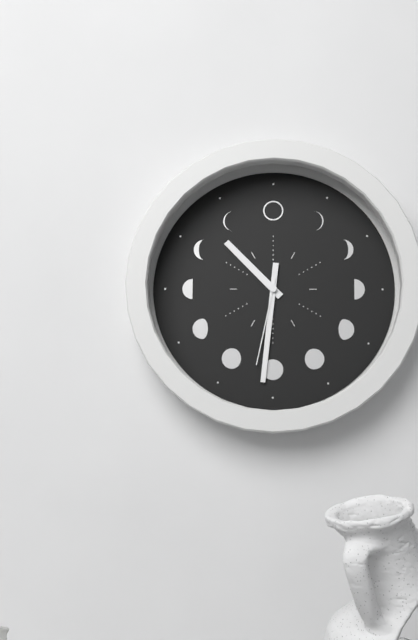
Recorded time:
10,31,32
